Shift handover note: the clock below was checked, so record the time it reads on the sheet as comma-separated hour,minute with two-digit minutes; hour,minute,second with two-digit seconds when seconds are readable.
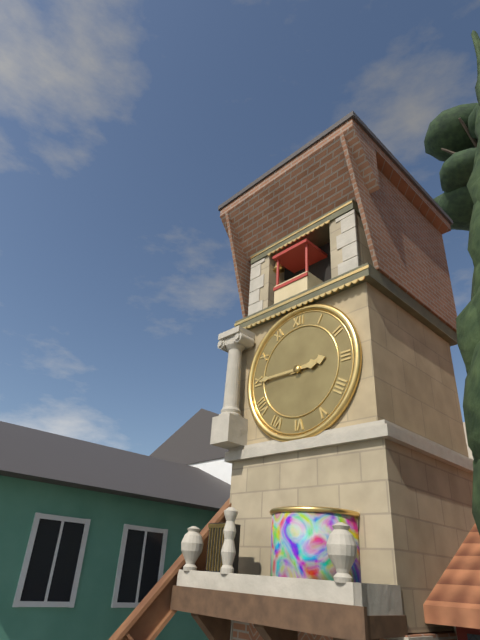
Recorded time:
2,45
